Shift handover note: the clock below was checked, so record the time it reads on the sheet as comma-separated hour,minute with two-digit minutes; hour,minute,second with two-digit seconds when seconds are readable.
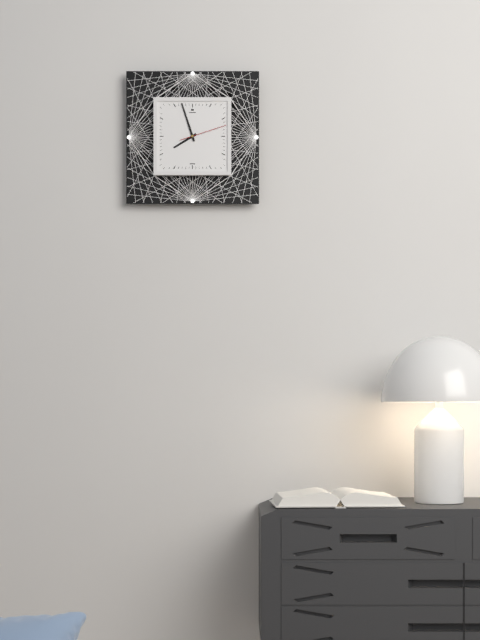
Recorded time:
7,57
